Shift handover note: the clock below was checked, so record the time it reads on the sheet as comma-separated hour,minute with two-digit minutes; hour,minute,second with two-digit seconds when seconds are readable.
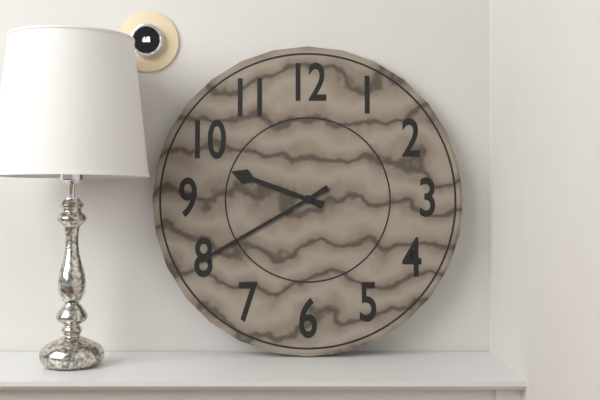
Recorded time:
9,40
